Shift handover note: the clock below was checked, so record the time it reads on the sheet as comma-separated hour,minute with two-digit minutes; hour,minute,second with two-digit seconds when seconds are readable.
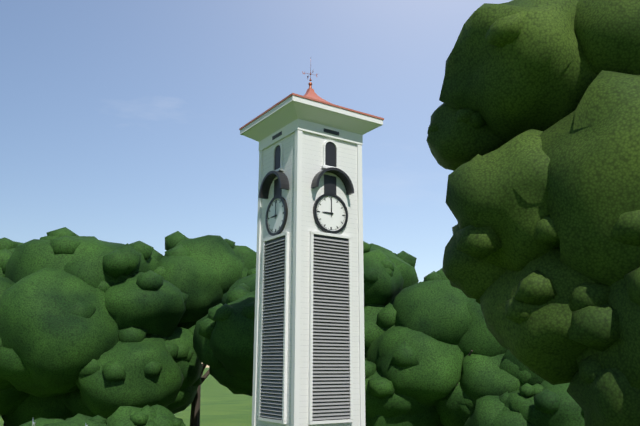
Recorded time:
9,00
